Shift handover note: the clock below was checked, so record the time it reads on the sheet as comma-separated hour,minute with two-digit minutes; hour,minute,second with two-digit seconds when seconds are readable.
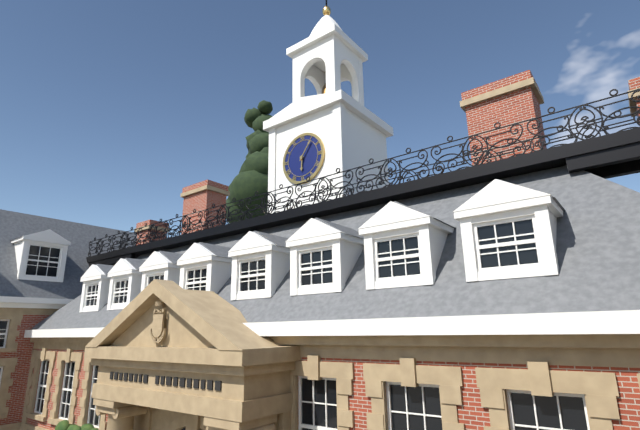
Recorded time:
6,06
